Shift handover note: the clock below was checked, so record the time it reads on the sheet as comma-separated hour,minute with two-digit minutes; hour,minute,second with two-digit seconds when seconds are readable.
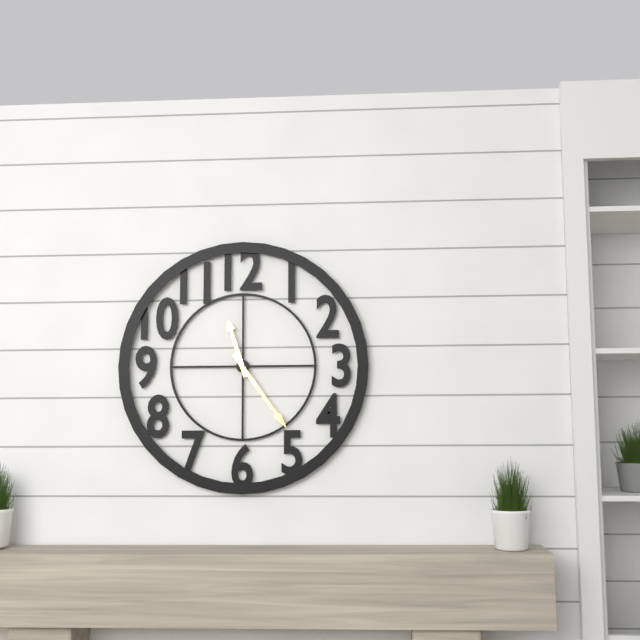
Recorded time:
11,24
